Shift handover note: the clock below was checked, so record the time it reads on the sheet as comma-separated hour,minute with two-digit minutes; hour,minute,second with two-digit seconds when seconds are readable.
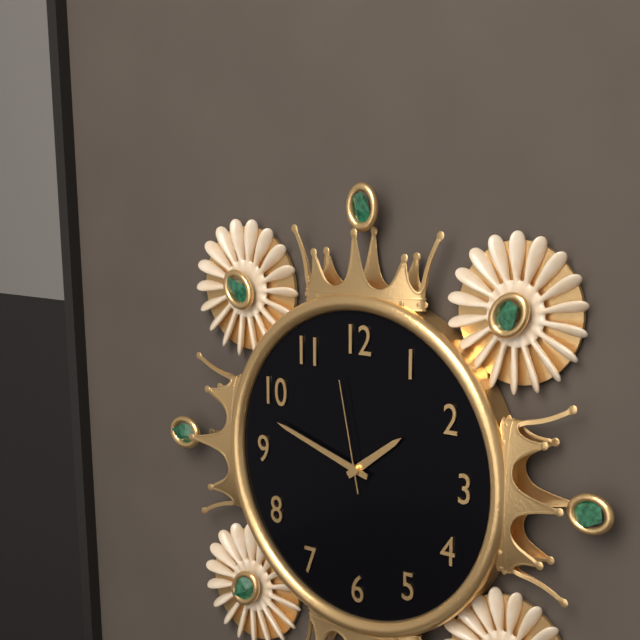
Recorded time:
1,48,58
